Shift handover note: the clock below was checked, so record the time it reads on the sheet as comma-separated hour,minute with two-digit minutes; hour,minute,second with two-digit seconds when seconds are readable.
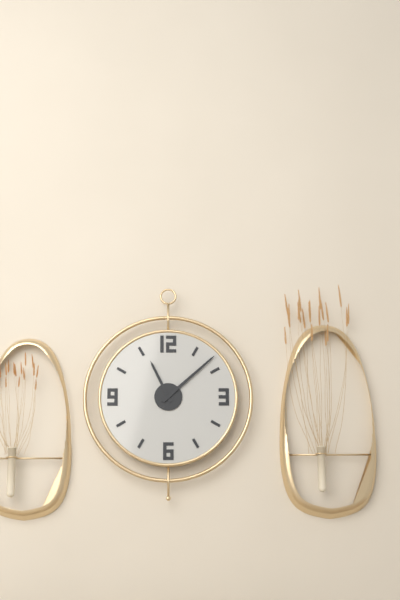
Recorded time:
11,08
